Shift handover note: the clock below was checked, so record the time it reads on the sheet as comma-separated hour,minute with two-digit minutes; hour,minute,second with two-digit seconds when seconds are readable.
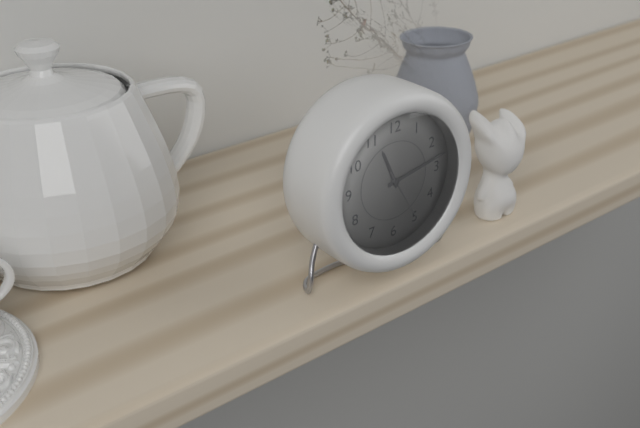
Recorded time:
11,13,25
